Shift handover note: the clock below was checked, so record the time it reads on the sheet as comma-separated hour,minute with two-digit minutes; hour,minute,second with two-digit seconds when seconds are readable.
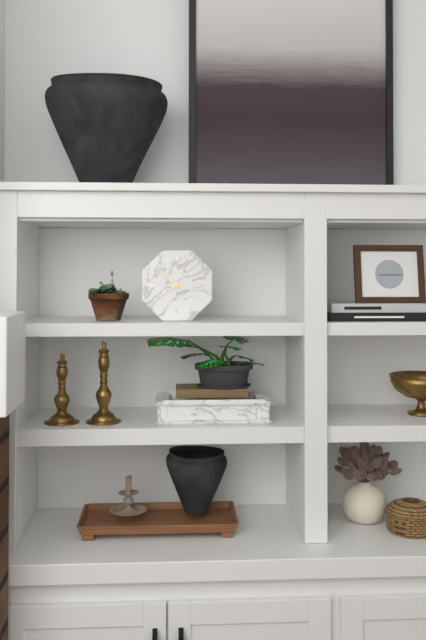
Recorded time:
7,52
